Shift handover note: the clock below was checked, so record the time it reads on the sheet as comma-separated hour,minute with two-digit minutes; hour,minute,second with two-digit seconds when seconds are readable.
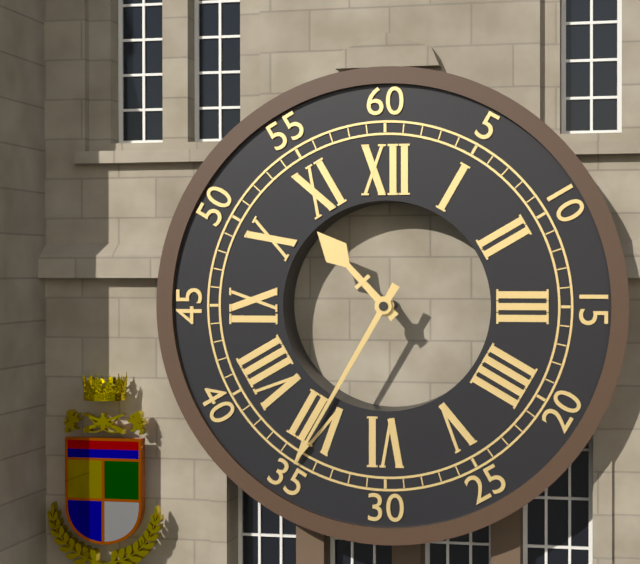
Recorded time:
10,35
